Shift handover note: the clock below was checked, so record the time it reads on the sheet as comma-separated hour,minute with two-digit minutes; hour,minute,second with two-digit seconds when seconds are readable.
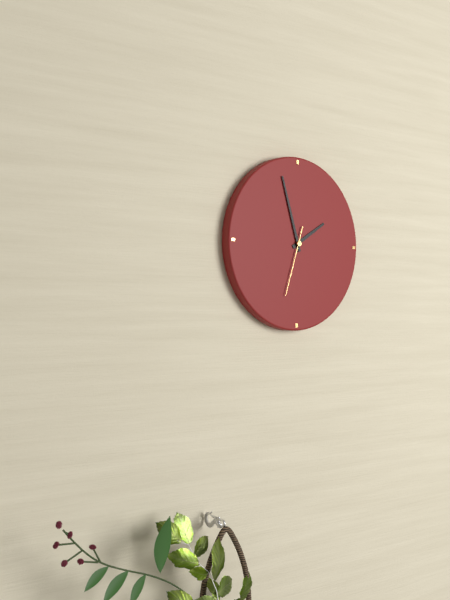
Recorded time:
1,57,33
